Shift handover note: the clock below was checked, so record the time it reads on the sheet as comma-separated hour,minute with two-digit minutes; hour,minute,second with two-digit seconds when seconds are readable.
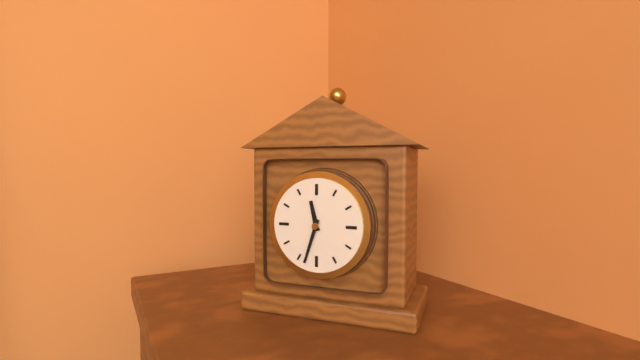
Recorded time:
11,33
